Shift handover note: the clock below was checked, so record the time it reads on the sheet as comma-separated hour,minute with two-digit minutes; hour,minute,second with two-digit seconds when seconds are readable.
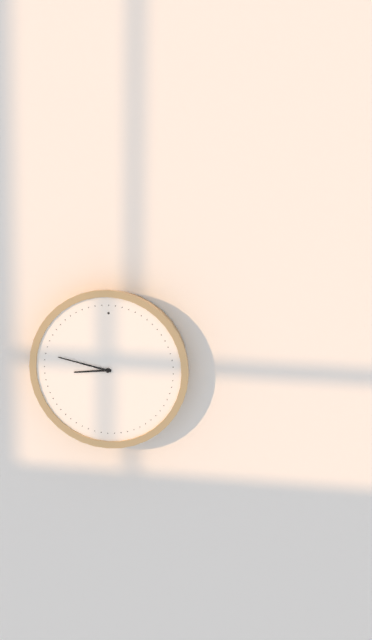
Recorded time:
8,47
